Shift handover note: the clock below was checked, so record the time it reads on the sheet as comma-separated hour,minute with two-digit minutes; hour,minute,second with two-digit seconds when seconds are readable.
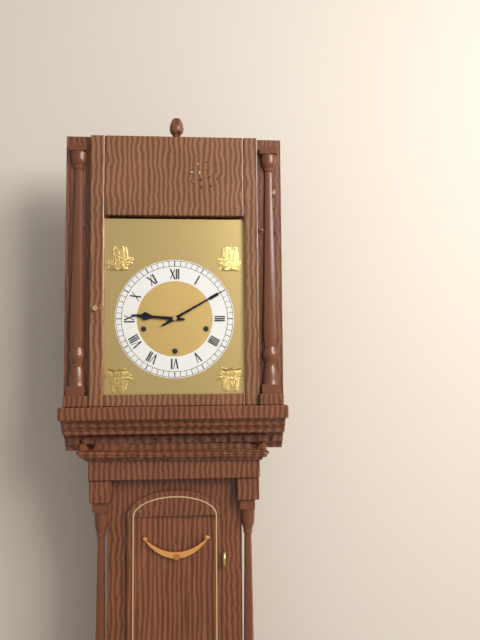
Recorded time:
9,10
